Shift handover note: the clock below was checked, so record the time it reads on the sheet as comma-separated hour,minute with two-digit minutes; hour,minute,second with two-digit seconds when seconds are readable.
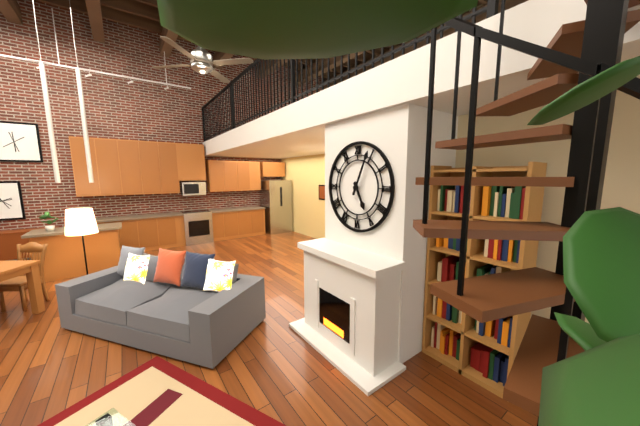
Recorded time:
5,04
